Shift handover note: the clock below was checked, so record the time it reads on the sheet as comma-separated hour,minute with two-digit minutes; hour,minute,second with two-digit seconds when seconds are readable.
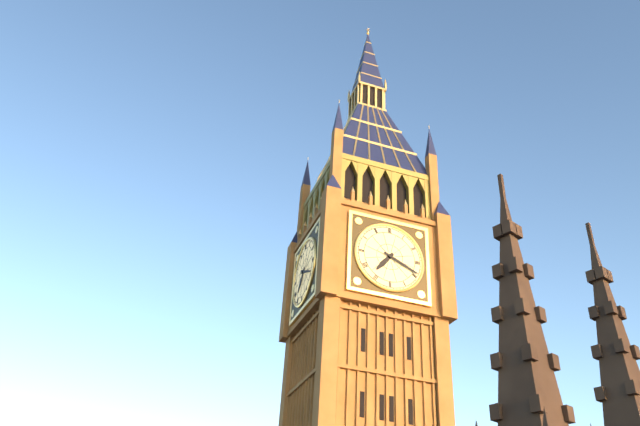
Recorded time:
7,19
